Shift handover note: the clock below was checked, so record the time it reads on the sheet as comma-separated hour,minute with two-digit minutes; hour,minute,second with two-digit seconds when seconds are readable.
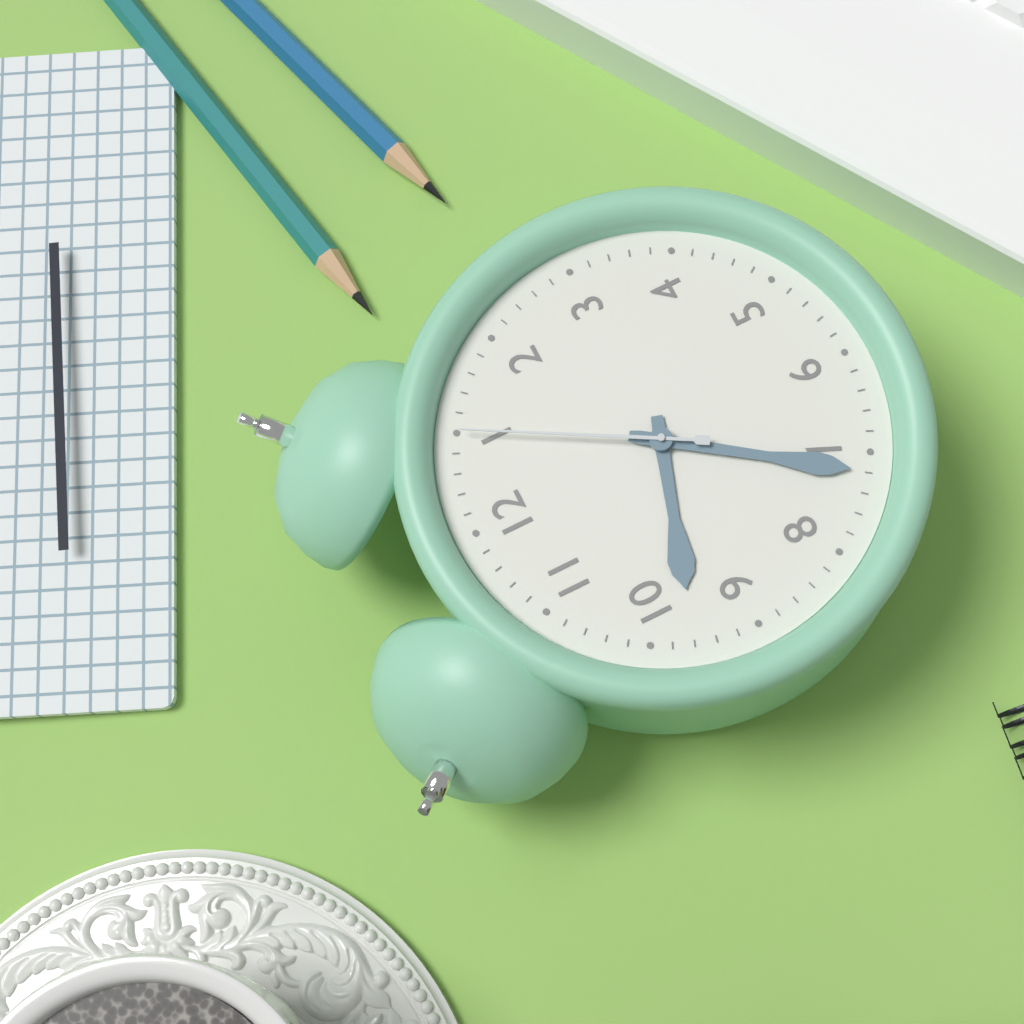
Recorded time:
9,36,05
